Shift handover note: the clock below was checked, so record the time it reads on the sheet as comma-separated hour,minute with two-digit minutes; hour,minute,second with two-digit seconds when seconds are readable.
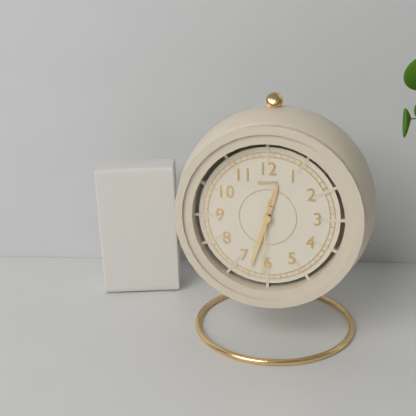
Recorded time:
12,33,31
